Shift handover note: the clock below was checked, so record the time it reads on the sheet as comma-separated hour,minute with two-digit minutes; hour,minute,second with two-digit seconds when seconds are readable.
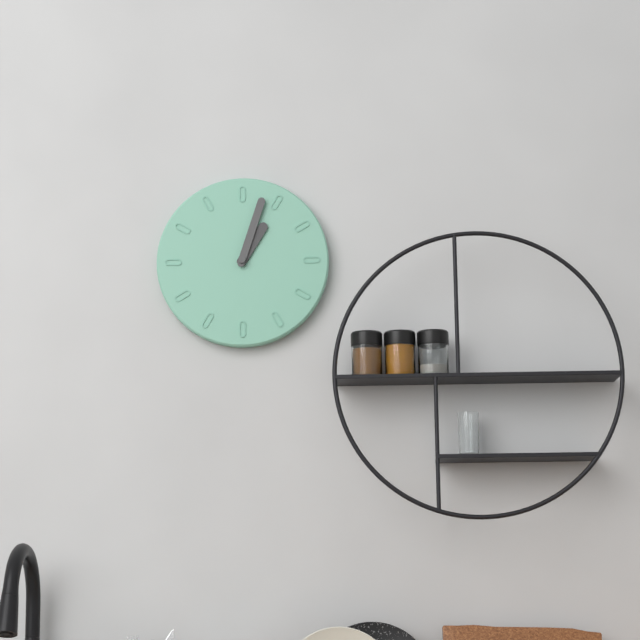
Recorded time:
1,03
